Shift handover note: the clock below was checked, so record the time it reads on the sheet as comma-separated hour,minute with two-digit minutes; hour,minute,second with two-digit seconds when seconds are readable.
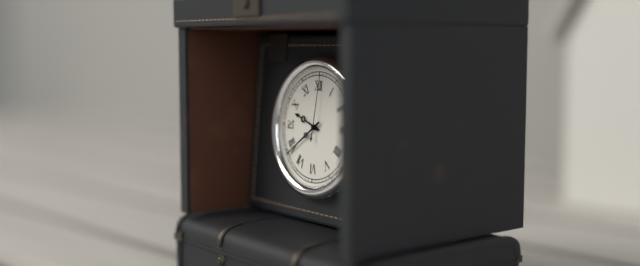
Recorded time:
9,39,01
